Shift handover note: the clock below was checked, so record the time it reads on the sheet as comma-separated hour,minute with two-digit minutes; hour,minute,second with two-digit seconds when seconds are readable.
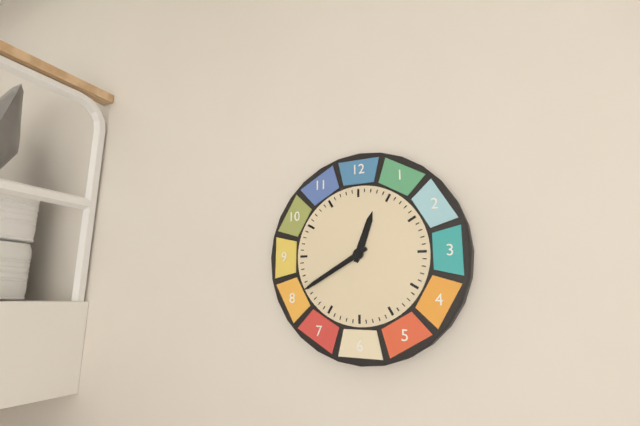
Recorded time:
12,40
